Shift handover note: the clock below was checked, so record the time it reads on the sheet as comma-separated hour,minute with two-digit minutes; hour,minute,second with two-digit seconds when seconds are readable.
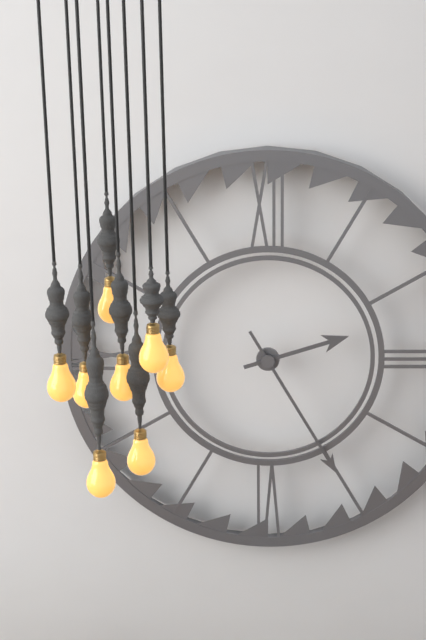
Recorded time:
2,25
